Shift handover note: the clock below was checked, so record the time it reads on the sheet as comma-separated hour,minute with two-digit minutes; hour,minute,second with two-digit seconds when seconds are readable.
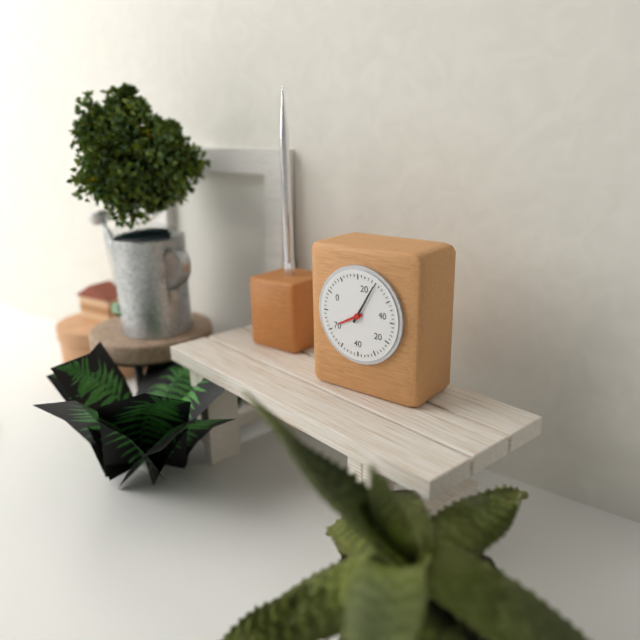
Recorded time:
8,05
